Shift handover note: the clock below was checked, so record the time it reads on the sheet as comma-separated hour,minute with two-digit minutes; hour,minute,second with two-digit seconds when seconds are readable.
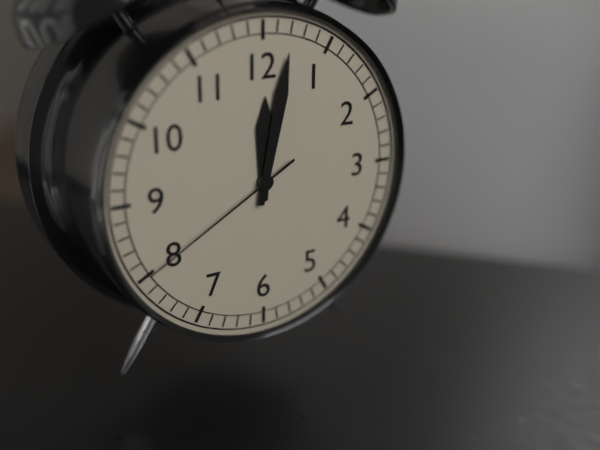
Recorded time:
12,02,40
